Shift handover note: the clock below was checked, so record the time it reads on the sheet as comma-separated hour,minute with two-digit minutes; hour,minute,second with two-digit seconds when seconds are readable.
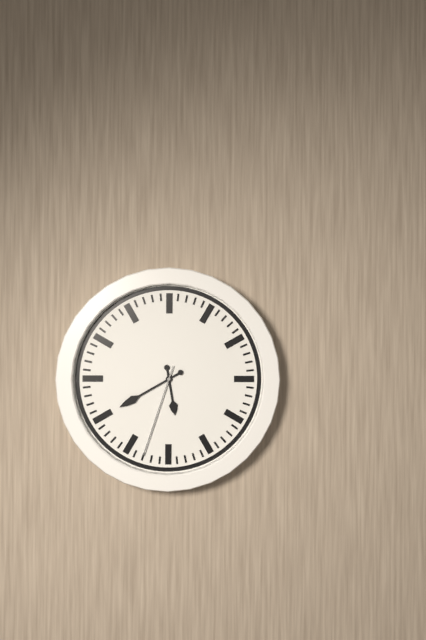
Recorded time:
5,40,33
